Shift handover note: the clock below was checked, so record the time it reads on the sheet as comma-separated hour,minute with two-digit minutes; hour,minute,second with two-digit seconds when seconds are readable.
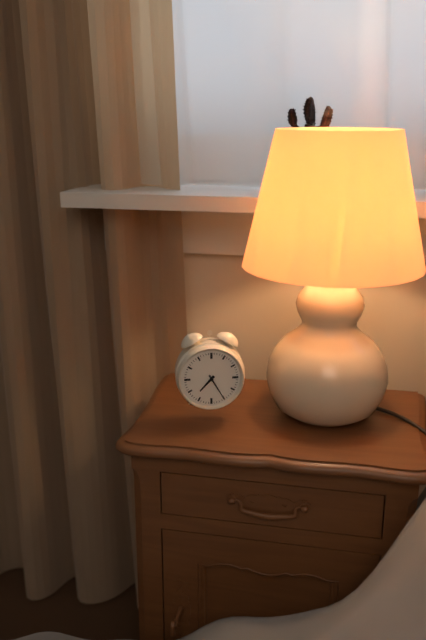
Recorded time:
7,25
